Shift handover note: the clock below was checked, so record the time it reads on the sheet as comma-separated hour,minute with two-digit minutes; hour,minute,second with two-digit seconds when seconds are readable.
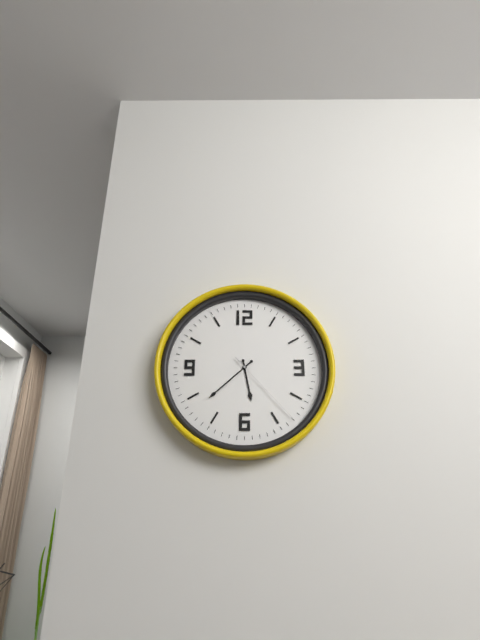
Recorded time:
5,38,23
